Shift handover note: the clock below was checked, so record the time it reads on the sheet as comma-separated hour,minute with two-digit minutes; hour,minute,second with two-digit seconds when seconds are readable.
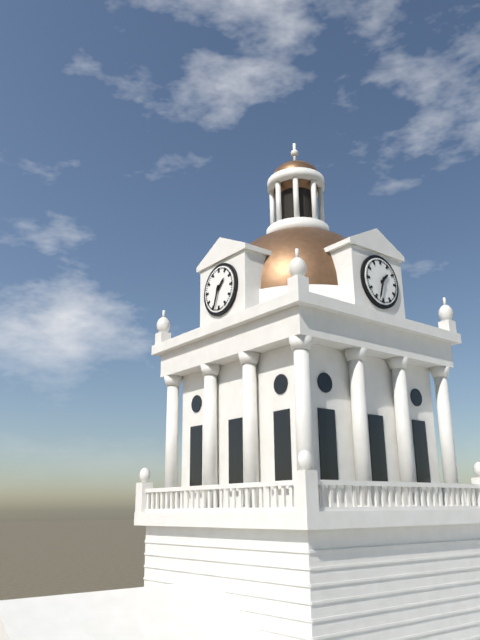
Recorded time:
1,33
